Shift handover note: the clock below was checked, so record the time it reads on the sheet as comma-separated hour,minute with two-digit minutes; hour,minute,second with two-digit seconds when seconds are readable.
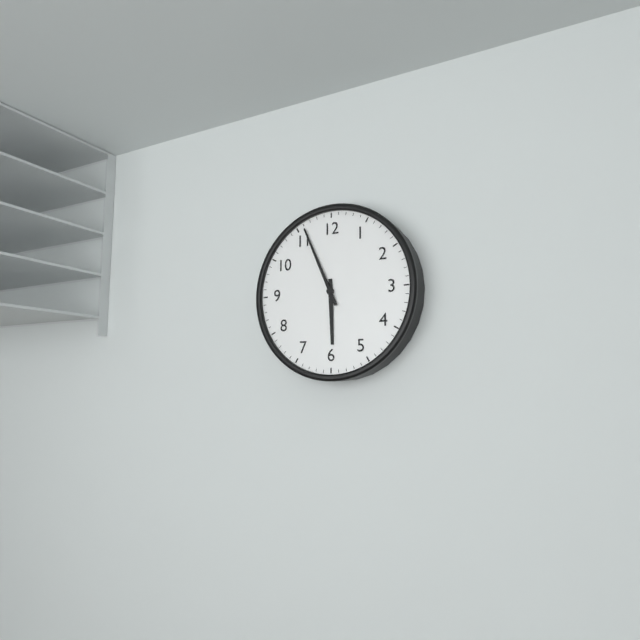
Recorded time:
5,56
